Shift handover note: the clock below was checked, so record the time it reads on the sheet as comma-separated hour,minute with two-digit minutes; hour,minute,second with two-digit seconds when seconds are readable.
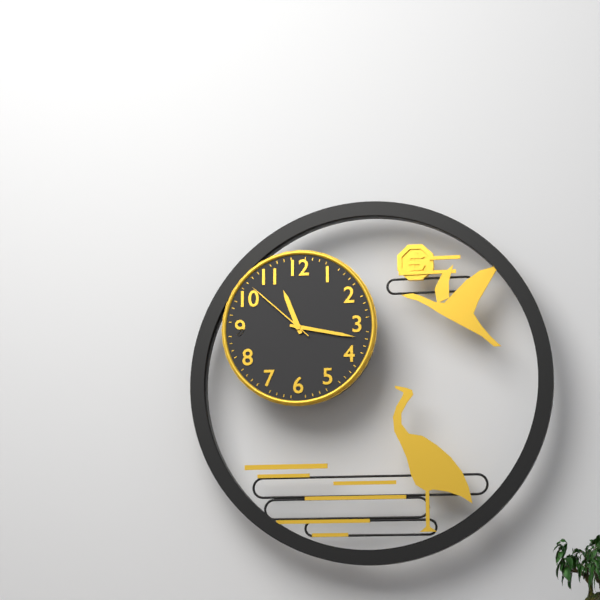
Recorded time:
11,17,52
